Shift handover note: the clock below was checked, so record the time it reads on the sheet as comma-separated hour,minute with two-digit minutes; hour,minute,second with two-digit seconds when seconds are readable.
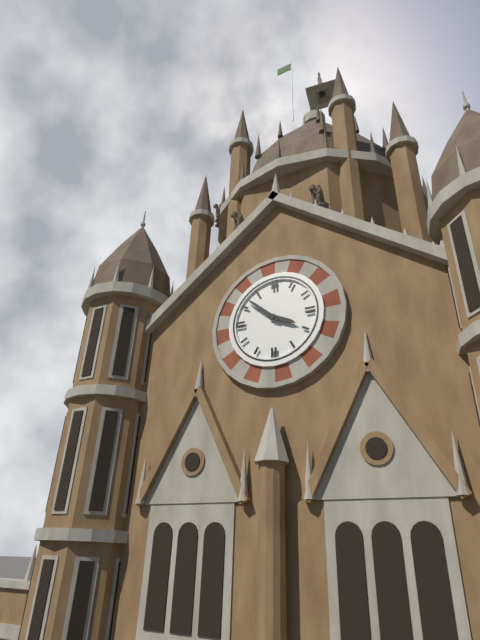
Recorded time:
3,52
